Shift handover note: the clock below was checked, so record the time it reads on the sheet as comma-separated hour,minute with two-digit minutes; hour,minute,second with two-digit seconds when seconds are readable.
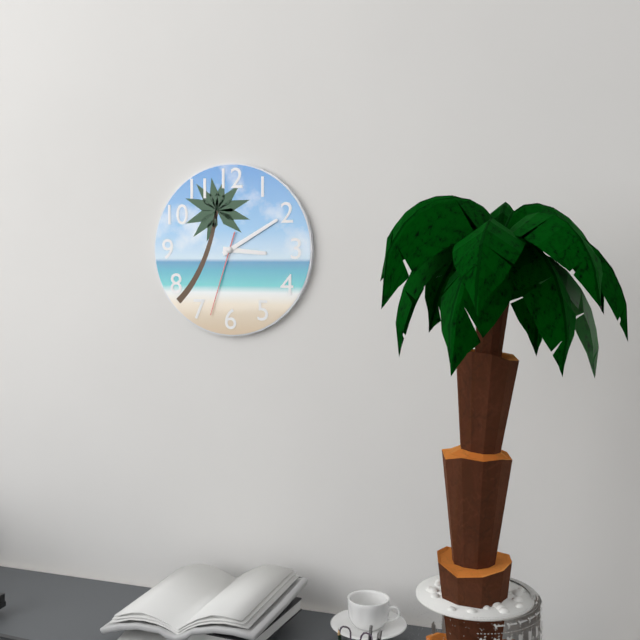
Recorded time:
3,10,33
